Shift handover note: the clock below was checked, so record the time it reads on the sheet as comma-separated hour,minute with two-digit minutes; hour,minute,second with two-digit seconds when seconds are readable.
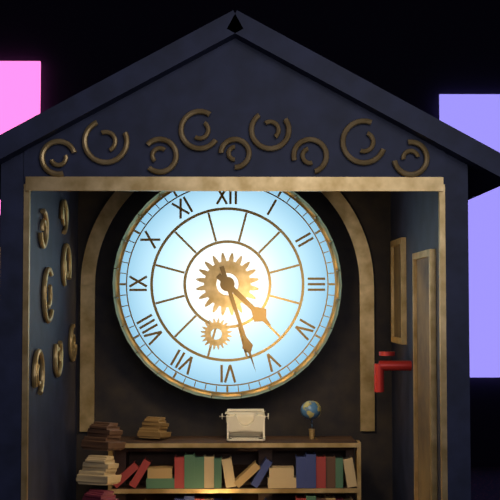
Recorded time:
4,27
